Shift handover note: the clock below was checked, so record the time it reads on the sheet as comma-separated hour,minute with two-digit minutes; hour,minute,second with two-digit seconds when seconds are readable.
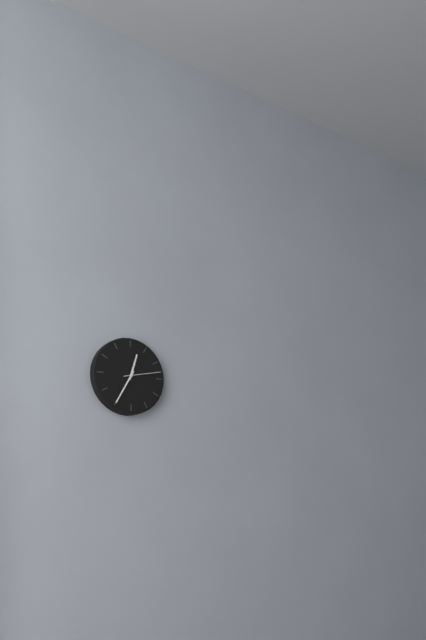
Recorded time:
12,35
